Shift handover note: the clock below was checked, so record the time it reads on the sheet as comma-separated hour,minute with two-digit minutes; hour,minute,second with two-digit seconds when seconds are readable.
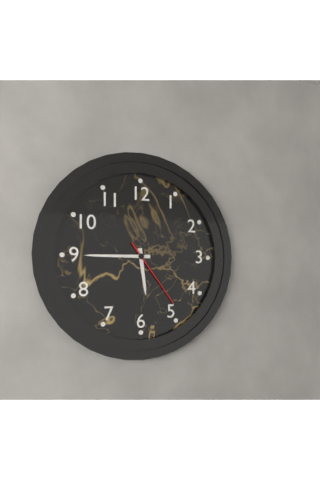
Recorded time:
5,45,24
